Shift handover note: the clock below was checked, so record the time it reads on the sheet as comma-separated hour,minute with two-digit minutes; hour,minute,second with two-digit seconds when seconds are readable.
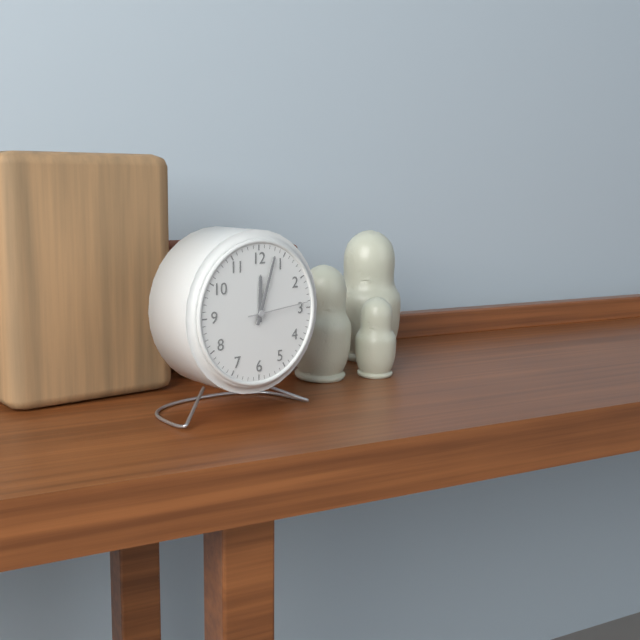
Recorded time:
12,03,14
